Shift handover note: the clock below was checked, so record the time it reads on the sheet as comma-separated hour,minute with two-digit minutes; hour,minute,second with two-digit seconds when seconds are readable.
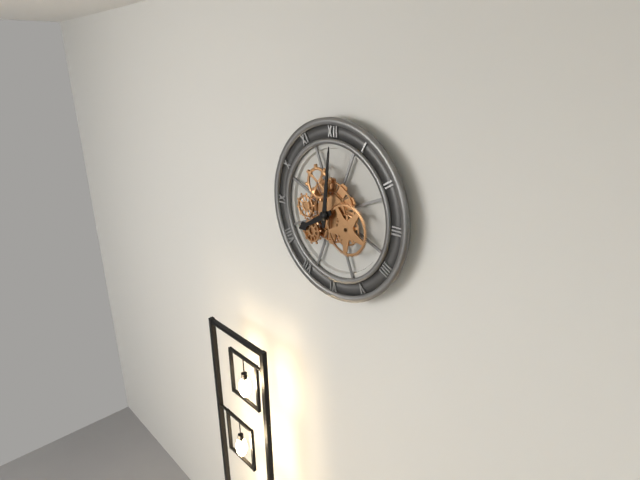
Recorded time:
8,01
